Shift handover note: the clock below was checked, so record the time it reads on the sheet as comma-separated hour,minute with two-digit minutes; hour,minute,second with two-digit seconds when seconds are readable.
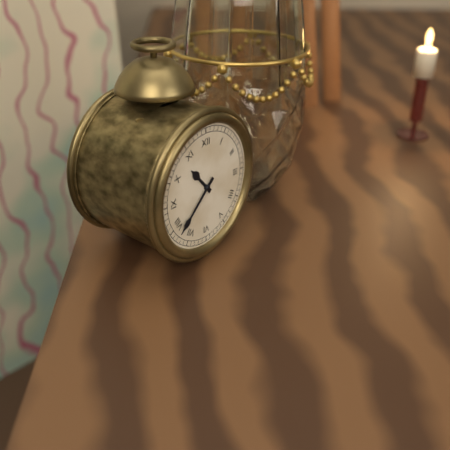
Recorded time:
10,38
